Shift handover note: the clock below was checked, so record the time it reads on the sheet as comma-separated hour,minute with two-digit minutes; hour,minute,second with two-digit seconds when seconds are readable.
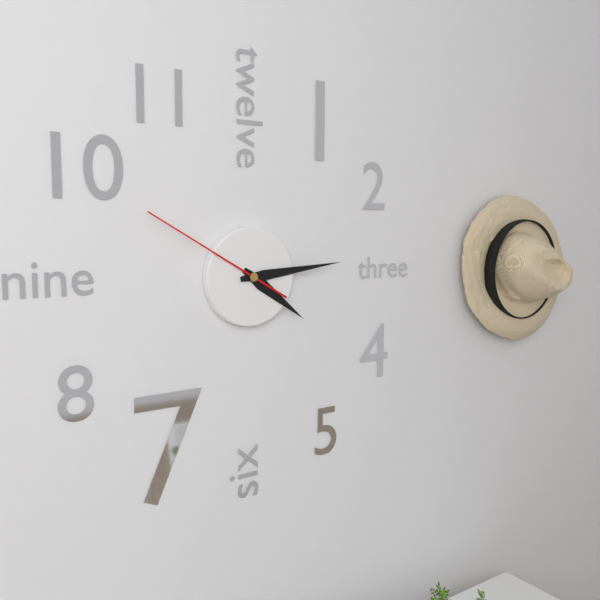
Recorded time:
4,14,50
